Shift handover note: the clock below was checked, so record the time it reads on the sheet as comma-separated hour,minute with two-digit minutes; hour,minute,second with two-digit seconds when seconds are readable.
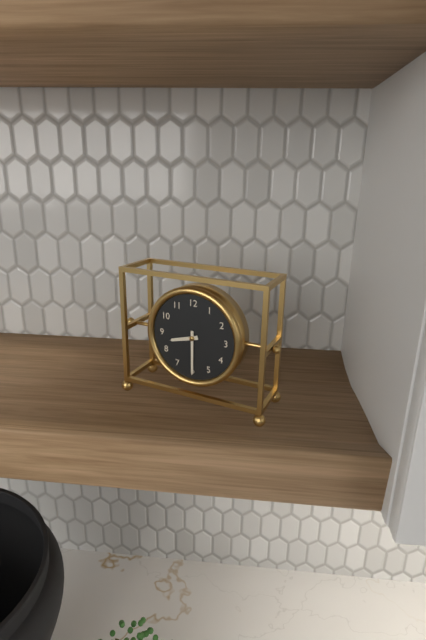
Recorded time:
8,30
